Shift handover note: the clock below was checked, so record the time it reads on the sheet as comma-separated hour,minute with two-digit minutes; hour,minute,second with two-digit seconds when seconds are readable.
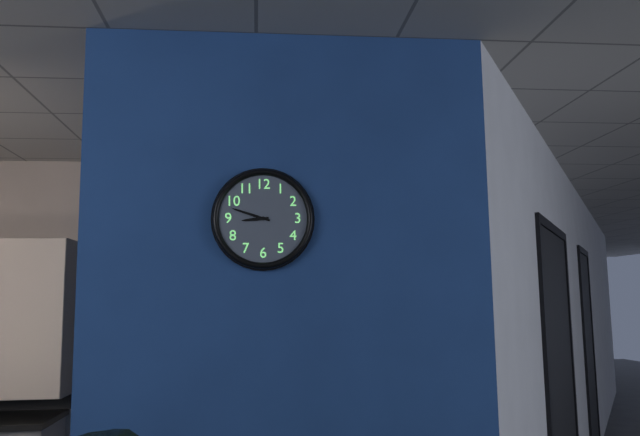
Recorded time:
8,48
